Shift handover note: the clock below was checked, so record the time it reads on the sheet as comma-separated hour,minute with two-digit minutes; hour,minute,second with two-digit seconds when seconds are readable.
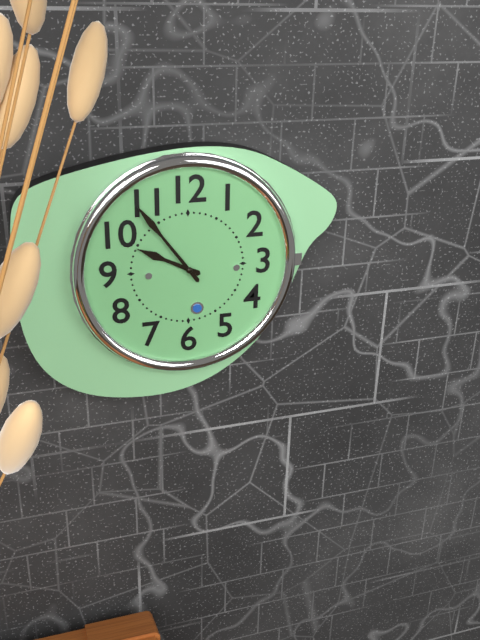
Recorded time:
9,54
